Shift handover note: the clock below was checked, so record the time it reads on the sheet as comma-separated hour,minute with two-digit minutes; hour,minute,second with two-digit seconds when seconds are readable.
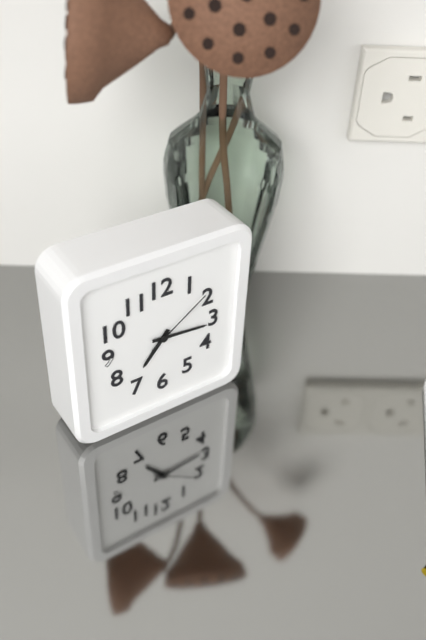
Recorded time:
7,16,09
